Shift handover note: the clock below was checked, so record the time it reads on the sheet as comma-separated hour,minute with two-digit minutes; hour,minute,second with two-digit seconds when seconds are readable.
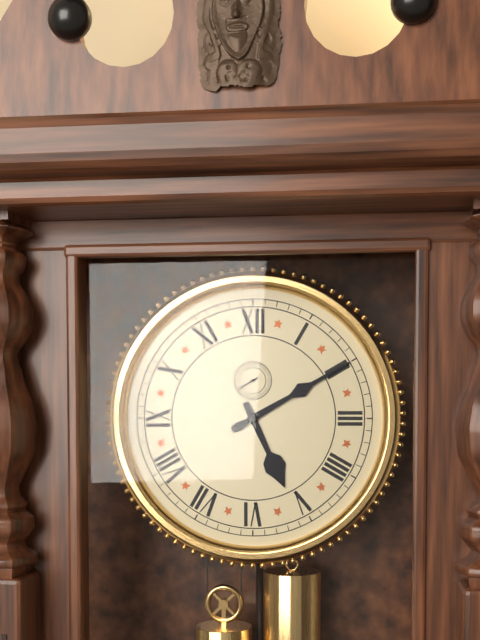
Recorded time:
5,10
